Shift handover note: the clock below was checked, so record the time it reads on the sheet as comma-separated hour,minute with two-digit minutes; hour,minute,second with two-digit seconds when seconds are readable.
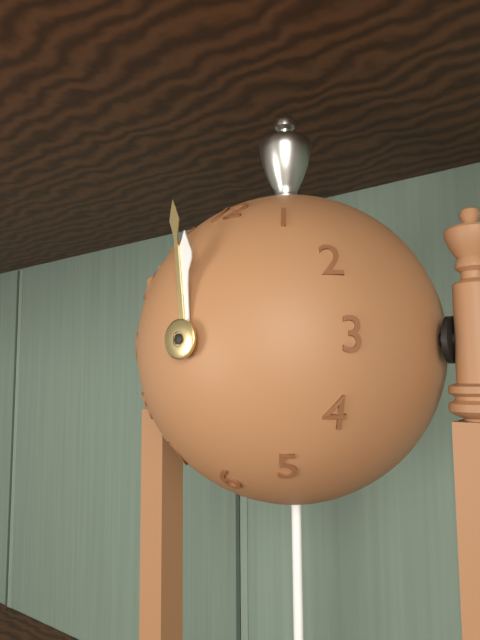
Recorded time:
11,59
